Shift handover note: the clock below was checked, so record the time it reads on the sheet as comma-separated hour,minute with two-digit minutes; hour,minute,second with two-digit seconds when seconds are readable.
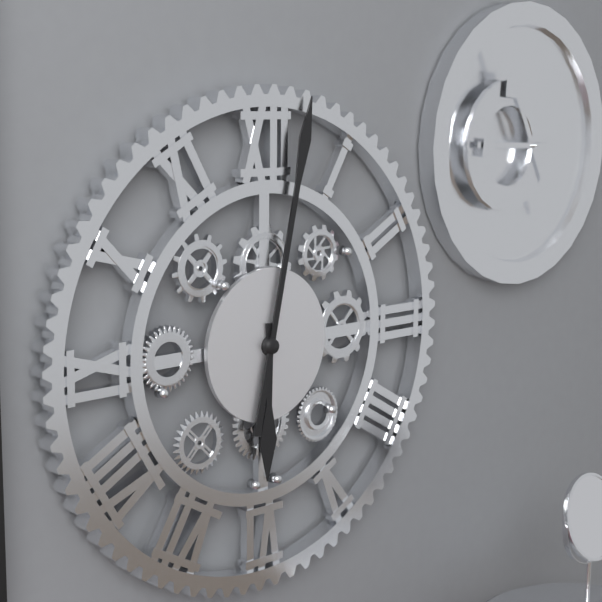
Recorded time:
6,02
